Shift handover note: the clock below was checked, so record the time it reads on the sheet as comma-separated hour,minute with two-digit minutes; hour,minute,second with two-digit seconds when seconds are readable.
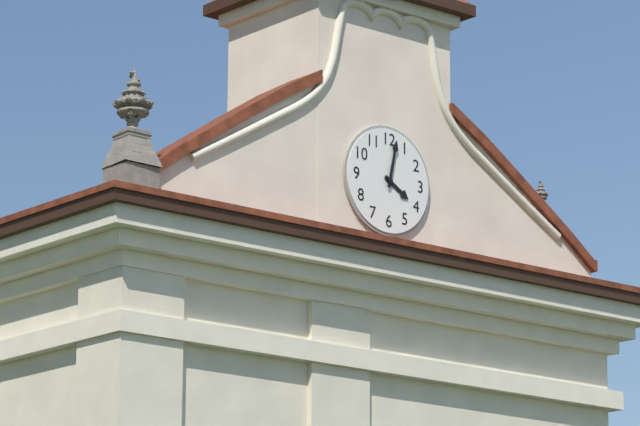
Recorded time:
4,02
